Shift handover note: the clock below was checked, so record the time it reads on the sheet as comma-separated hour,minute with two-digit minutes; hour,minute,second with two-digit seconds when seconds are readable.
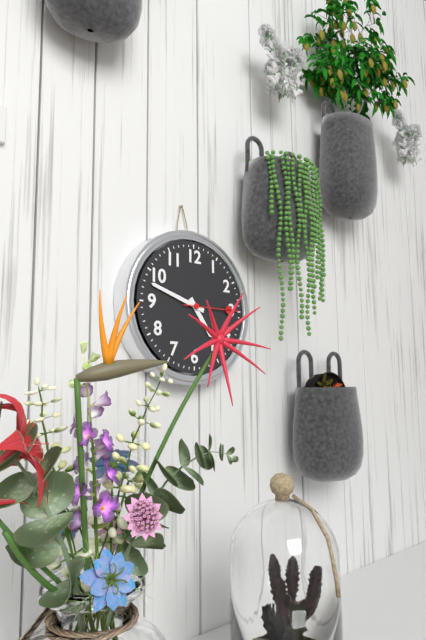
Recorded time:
4,48,15
